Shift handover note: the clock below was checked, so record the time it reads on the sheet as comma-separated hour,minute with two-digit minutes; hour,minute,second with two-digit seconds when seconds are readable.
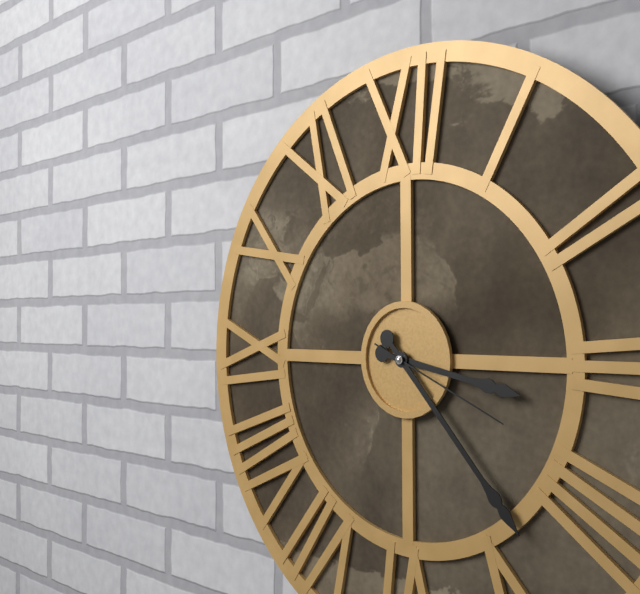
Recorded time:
3,23,19
